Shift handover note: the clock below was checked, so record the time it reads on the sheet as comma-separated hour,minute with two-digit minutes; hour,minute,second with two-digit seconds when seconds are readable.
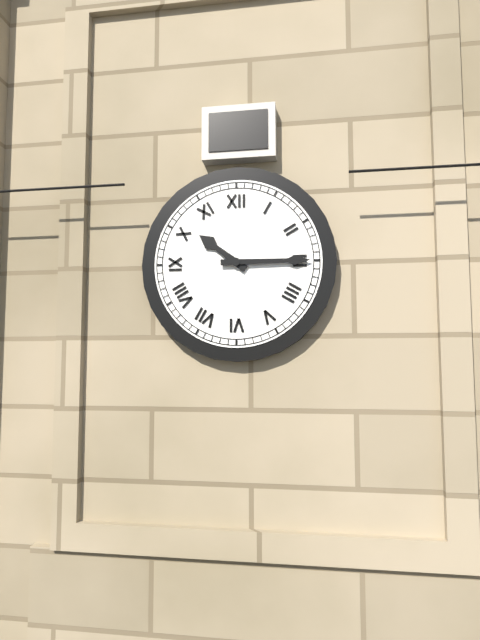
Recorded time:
10,15
